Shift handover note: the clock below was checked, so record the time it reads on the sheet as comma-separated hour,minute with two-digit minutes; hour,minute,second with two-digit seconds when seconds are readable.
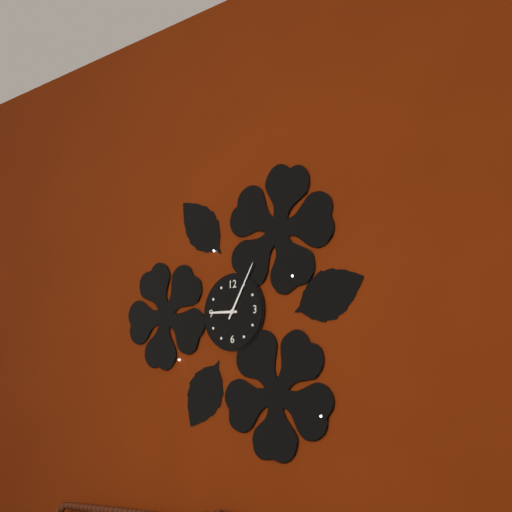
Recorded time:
9,05
